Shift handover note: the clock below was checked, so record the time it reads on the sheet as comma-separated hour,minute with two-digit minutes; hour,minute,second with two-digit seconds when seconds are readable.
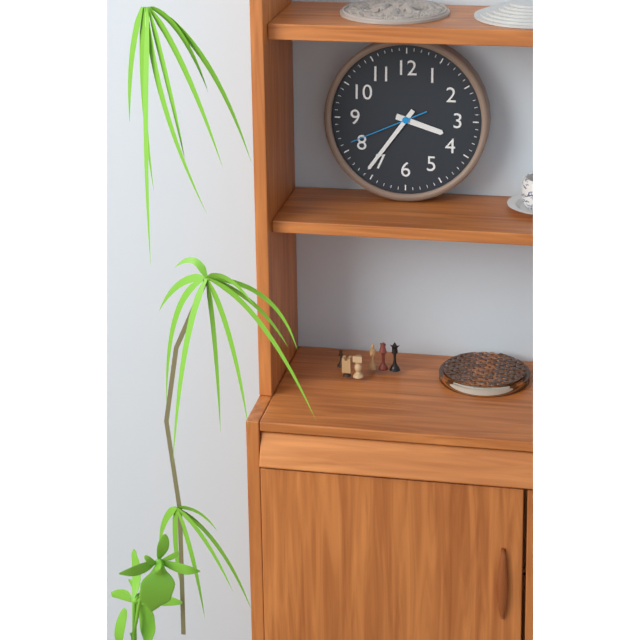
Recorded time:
3,36,41
